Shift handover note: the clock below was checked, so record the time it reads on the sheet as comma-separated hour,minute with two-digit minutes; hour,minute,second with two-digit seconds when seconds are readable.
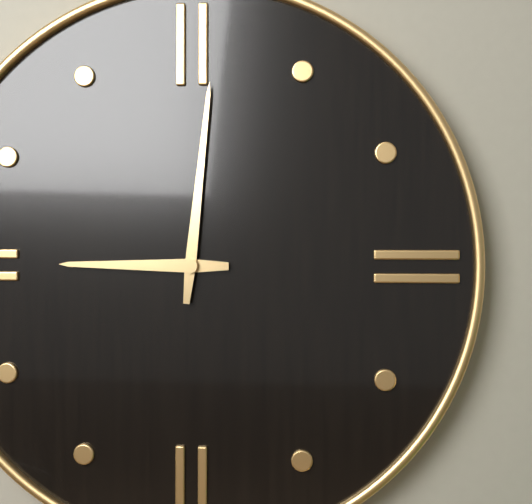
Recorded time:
9,01
